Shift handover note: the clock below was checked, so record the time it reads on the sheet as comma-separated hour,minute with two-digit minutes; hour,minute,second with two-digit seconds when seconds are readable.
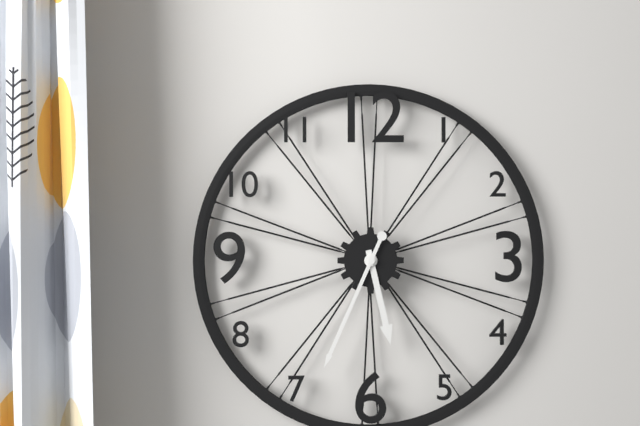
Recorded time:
5,34
